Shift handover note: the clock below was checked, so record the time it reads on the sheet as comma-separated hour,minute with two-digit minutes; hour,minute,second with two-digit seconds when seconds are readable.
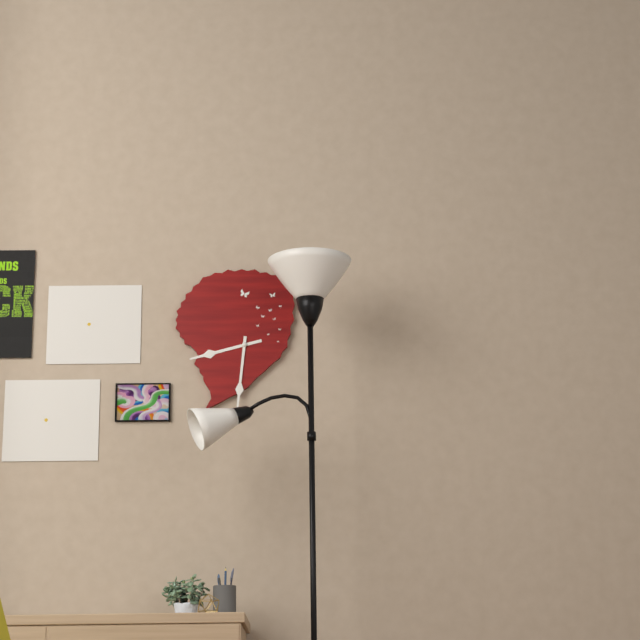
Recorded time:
8,31
